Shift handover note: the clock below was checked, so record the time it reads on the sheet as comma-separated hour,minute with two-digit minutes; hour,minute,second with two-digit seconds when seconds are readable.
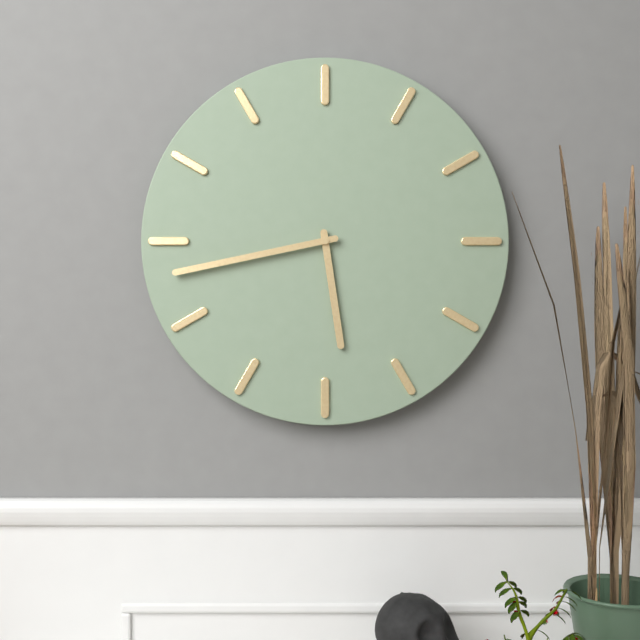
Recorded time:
5,43
